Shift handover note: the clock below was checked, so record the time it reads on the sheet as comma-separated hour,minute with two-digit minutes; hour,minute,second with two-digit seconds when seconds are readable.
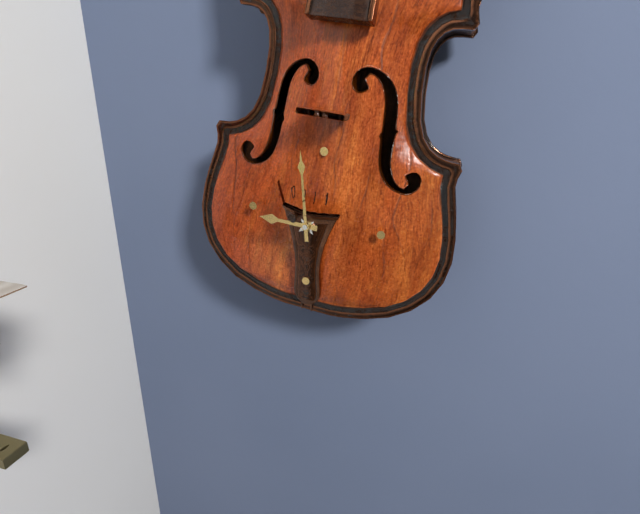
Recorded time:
8,58
